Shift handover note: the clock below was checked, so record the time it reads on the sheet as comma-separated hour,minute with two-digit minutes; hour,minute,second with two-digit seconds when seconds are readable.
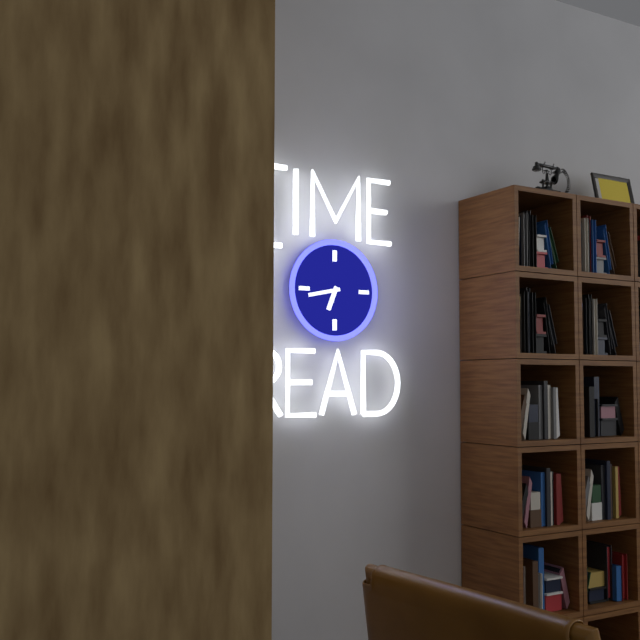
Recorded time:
6,43
